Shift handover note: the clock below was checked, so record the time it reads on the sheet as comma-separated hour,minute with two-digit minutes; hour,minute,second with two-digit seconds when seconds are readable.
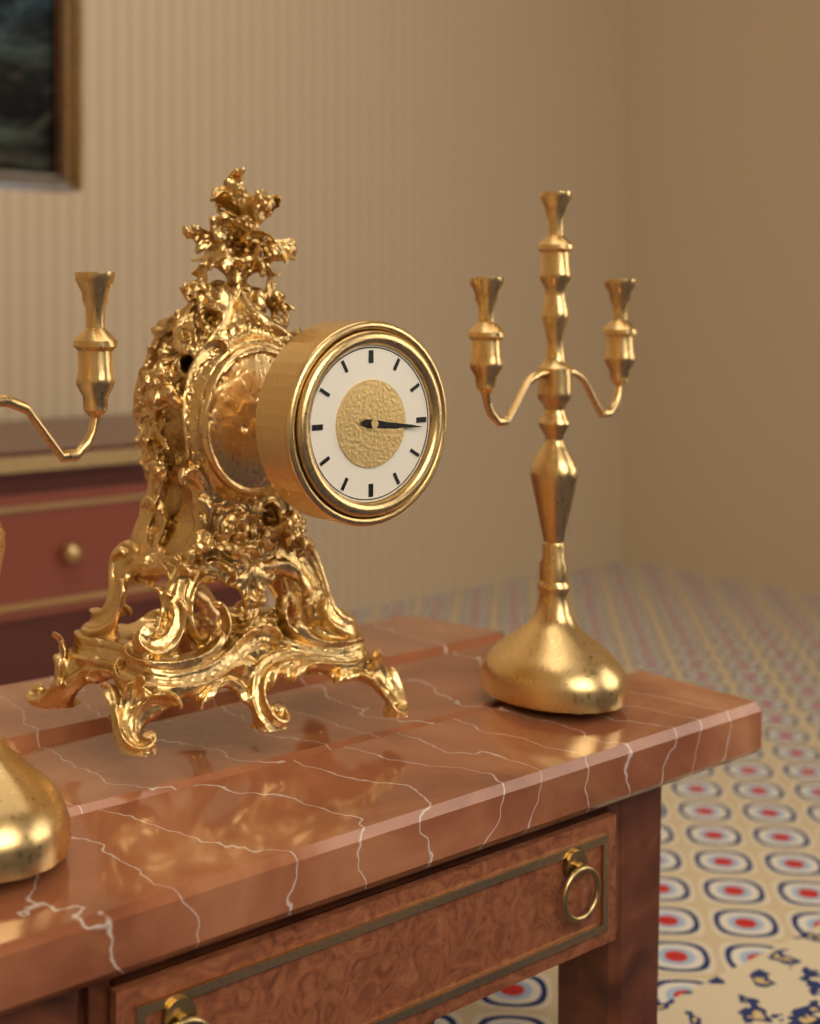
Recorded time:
3,16
